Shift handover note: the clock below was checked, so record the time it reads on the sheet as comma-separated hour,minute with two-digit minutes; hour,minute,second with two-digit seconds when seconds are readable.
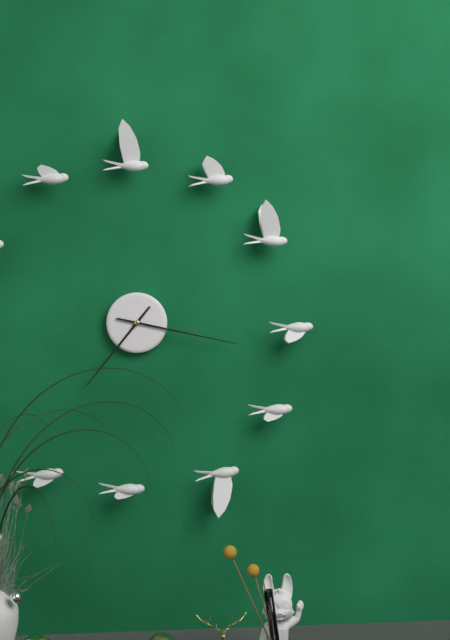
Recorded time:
7,17
